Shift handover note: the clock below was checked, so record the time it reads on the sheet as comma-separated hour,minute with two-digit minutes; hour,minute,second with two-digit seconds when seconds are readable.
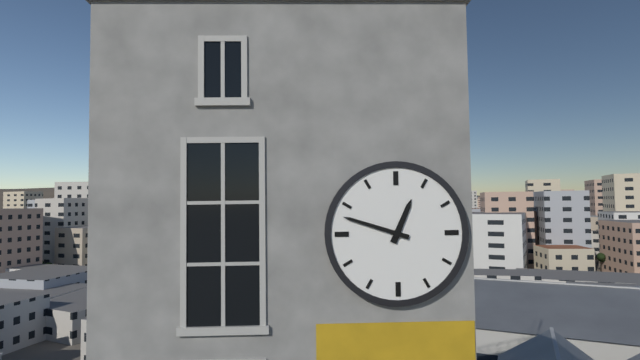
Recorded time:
12,48
